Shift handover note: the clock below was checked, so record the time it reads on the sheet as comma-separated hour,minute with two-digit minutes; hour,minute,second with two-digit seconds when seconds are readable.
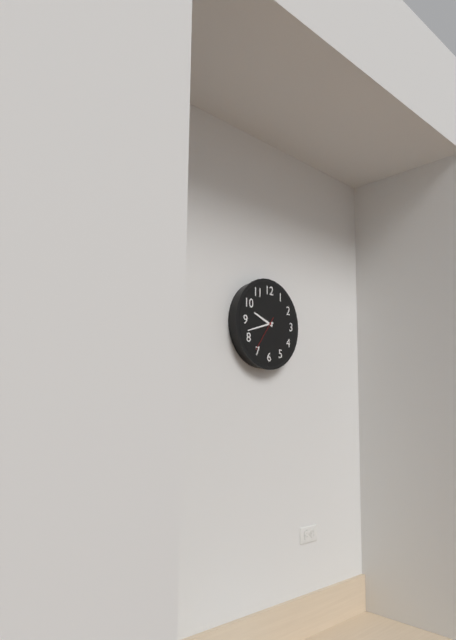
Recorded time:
9,42
